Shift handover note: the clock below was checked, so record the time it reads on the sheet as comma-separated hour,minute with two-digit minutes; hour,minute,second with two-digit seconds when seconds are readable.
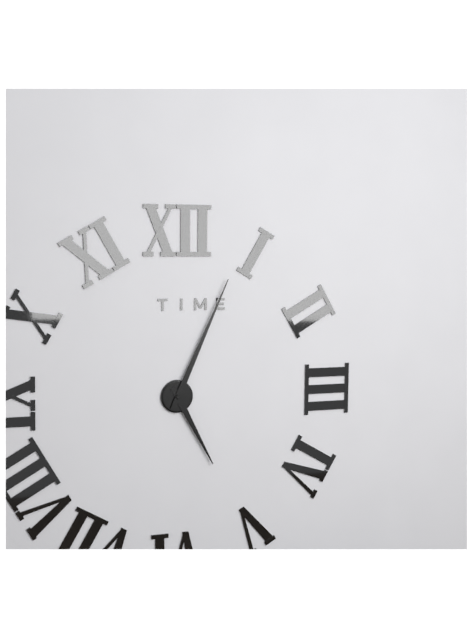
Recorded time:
5,04
